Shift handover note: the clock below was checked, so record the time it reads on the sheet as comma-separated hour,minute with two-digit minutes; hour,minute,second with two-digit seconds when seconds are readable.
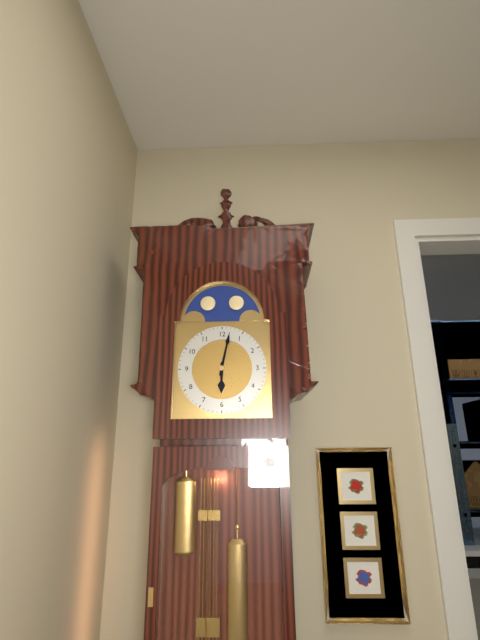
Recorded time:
6,02
